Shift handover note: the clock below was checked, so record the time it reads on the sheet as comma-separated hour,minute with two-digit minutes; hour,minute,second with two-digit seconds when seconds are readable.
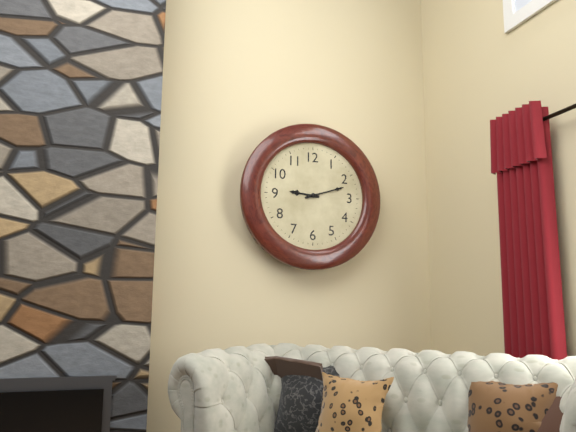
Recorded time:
9,12
